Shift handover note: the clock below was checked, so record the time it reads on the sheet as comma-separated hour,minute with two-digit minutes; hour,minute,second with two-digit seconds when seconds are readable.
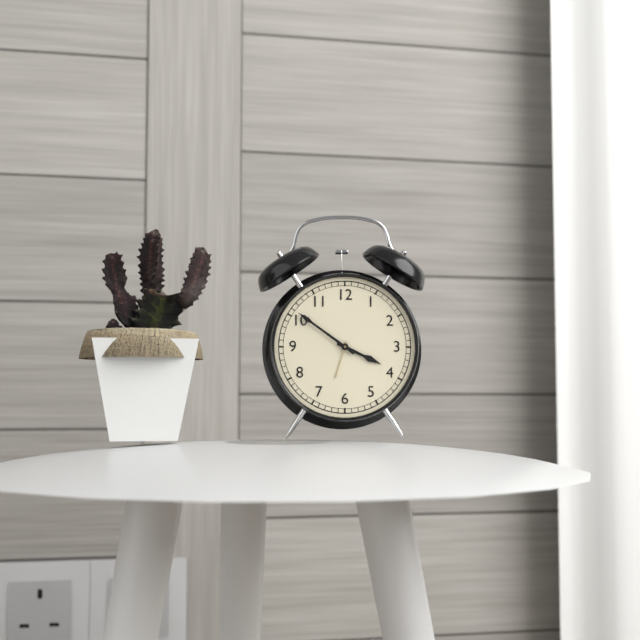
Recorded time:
3,51
